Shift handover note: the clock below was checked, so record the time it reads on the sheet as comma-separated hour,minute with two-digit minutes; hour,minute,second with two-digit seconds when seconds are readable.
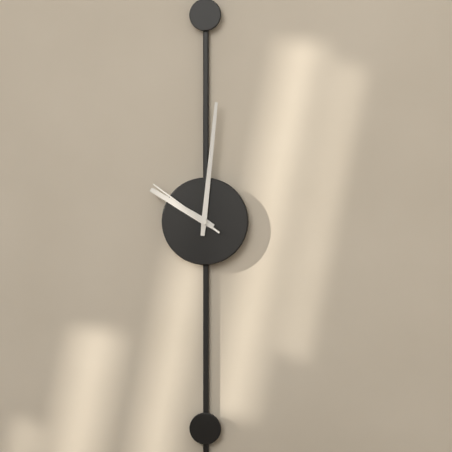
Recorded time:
10,01,51
